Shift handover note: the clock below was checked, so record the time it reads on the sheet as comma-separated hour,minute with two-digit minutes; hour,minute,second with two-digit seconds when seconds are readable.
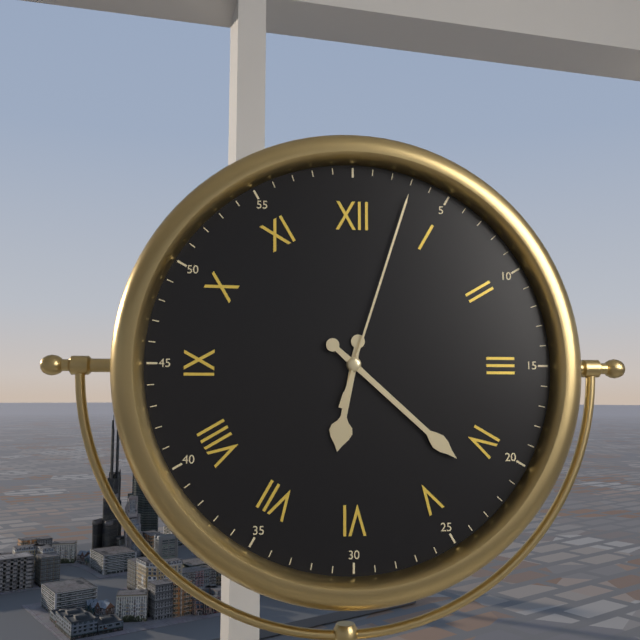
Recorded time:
6,22,03
